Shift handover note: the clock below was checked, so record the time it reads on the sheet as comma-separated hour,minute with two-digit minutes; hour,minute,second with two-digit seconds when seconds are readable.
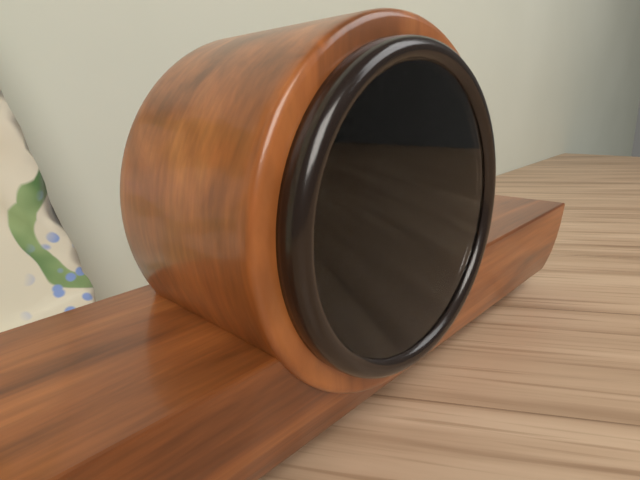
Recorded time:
11,43
